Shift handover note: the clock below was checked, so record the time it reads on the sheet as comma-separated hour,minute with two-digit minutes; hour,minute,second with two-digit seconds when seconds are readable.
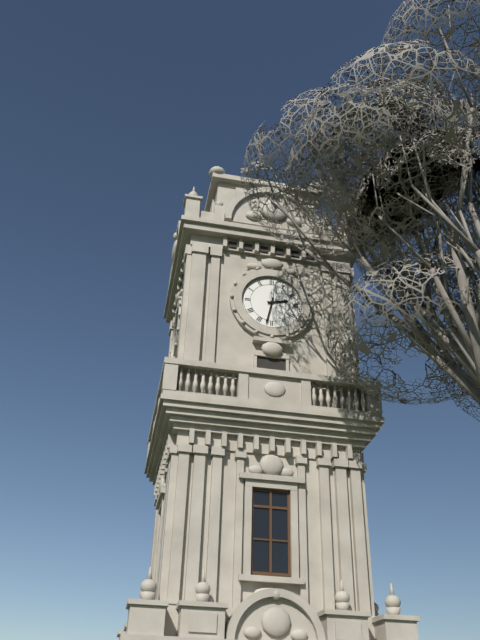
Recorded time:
2,32
